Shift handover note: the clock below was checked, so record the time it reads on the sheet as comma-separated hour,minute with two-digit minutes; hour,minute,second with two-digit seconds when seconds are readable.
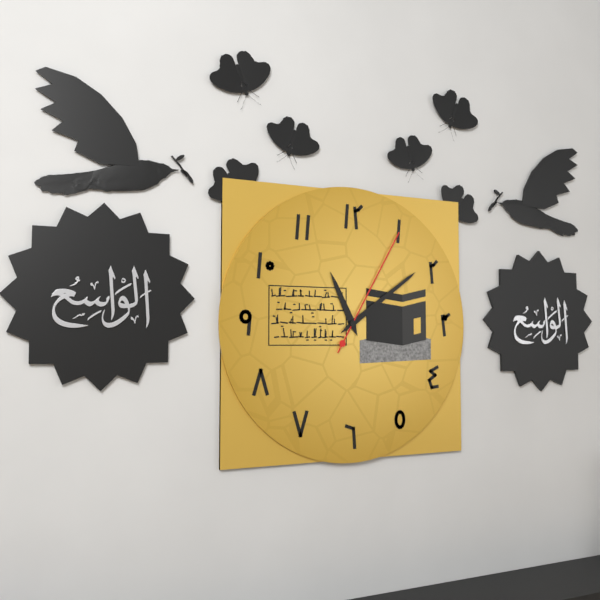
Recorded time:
11,09,05
